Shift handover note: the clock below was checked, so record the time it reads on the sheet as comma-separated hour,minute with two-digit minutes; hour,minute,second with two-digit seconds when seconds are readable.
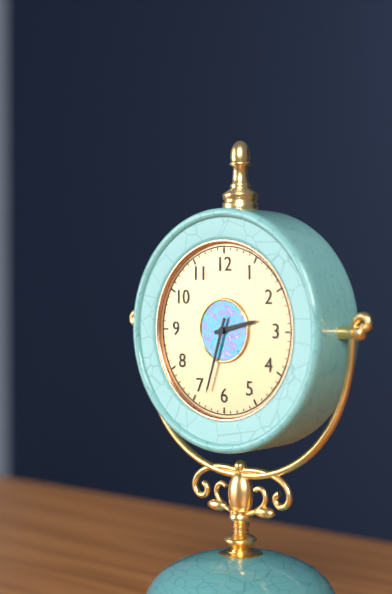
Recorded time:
2,33
